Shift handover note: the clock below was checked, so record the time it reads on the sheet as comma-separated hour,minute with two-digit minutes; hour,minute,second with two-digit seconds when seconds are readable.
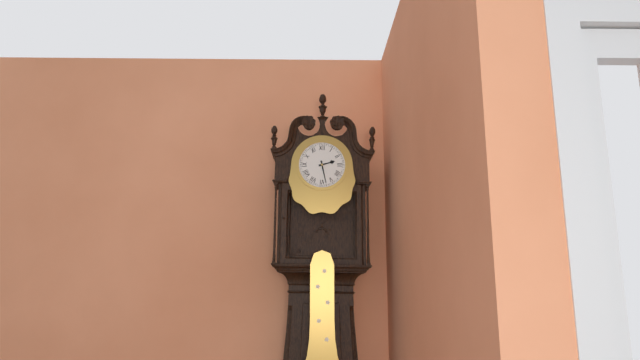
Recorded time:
2,28
